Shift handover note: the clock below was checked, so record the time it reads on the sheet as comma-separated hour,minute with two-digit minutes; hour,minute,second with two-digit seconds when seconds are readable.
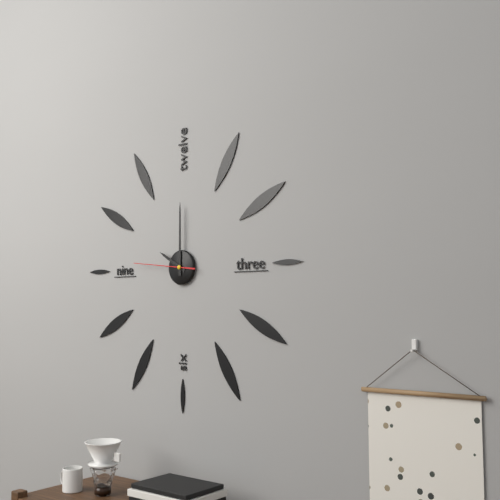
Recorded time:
10,00,46
